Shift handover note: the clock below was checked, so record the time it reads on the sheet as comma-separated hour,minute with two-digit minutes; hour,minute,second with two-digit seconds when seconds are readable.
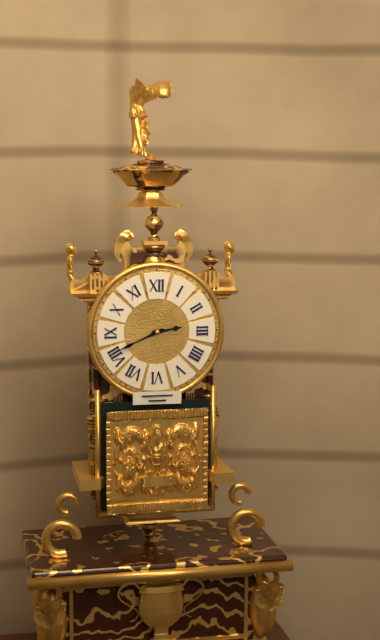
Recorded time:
2,41
